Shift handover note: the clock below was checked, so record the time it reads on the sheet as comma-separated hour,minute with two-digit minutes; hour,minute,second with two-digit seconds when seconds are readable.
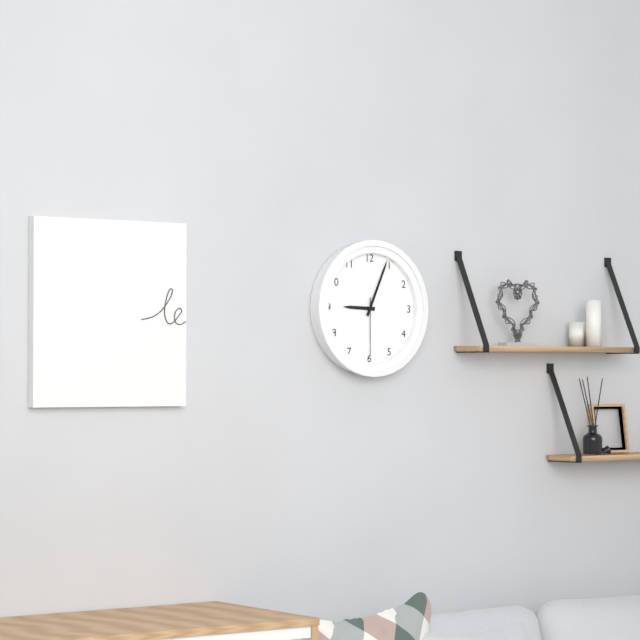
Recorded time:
9,04,30
